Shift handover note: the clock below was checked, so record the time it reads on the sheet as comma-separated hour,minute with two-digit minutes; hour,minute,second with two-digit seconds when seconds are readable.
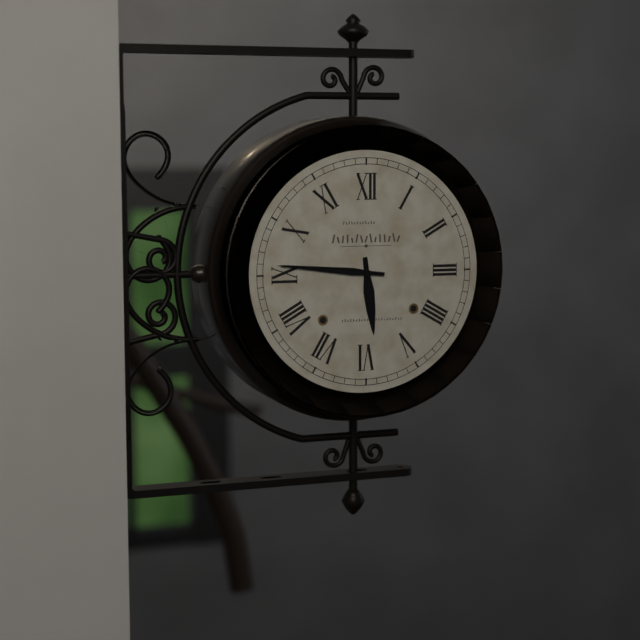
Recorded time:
5,46
